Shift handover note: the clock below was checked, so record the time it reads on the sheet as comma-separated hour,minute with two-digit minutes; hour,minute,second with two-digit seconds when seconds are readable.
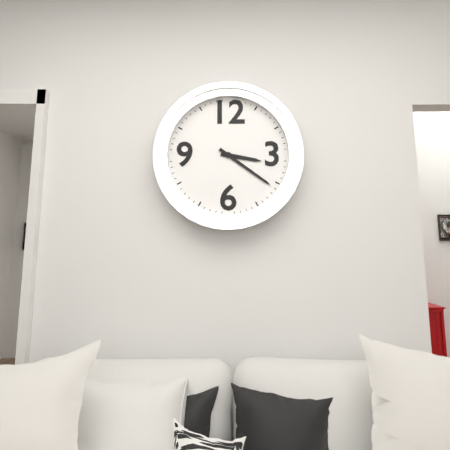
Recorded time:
3,21
